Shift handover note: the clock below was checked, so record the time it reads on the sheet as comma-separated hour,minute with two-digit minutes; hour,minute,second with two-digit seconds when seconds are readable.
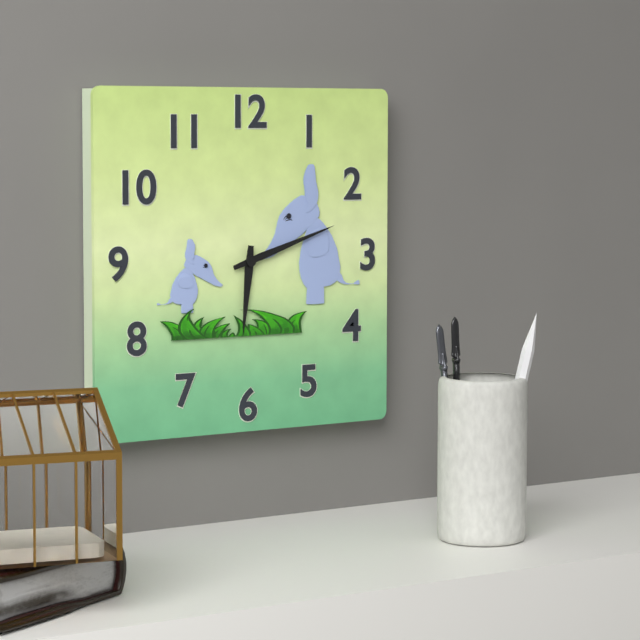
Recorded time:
6,12
